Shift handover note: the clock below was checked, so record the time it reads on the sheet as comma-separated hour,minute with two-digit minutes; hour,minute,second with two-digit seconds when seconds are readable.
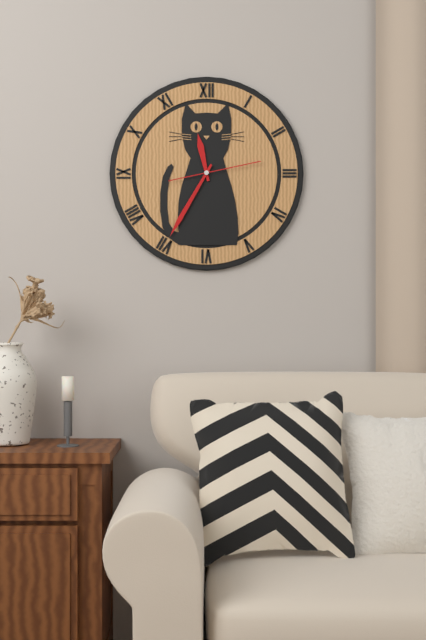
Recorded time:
11,35,13
